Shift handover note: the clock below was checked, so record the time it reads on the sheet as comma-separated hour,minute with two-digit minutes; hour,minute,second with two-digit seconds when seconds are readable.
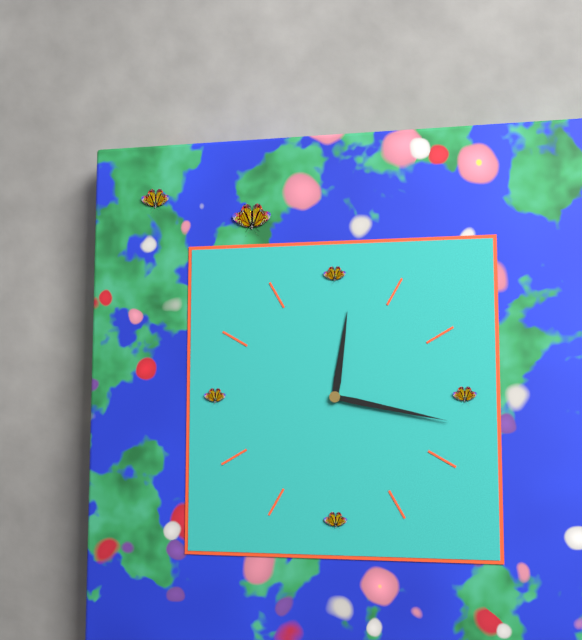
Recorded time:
12,17
